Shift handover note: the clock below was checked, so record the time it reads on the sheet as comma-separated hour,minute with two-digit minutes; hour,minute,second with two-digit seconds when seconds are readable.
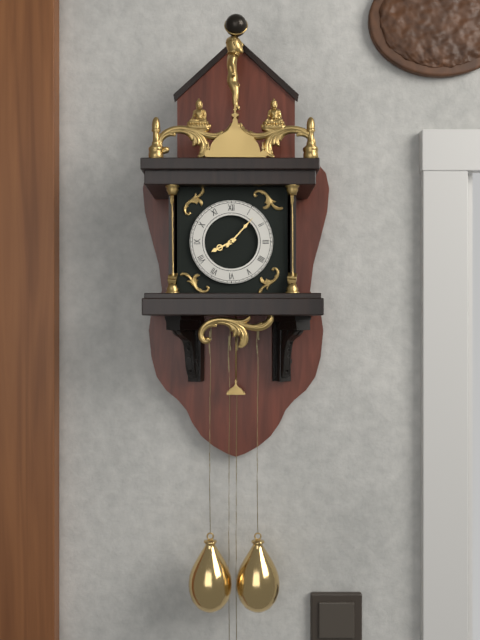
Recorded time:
8,07
